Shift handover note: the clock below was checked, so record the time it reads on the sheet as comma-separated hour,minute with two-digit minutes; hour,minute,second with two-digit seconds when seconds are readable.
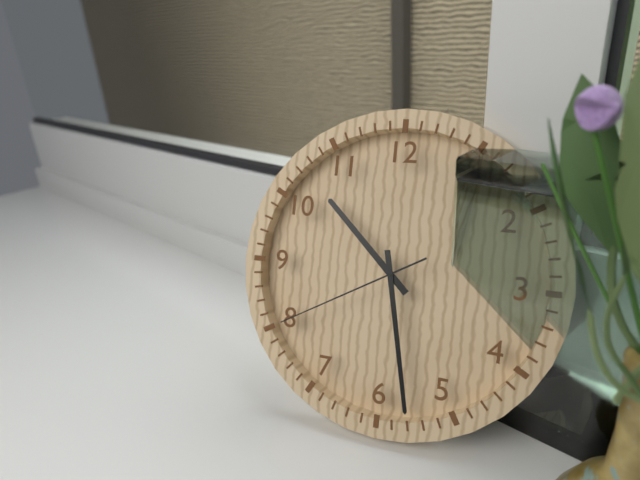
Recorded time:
10,28,40
